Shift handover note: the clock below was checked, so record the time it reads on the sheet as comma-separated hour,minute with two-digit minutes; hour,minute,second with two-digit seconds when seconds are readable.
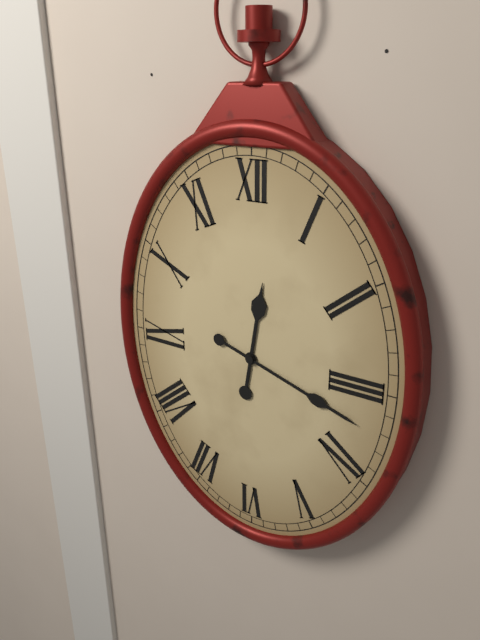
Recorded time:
12,18
